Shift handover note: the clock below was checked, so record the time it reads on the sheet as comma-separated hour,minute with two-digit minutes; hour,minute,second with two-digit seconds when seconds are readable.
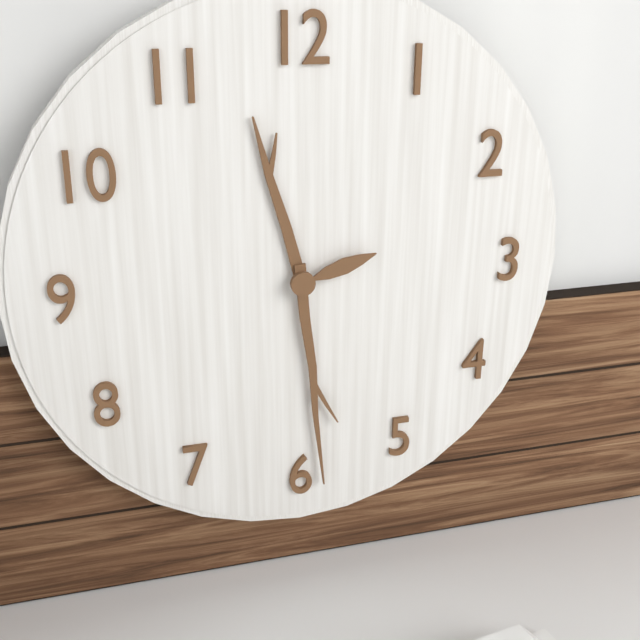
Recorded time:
11,29,12
